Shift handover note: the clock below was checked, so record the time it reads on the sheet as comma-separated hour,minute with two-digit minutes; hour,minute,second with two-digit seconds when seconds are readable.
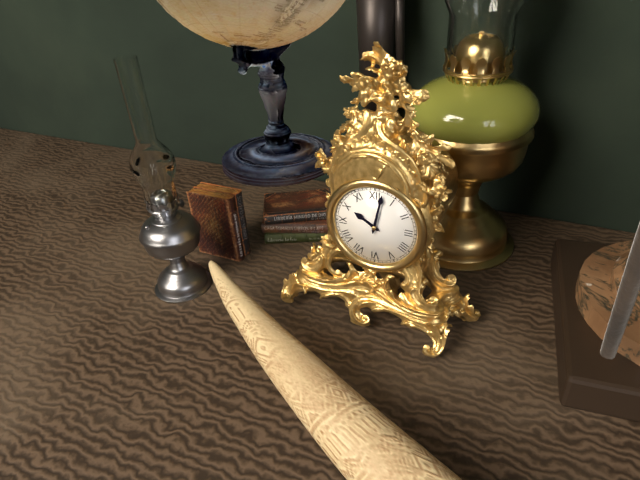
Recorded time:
10,02
